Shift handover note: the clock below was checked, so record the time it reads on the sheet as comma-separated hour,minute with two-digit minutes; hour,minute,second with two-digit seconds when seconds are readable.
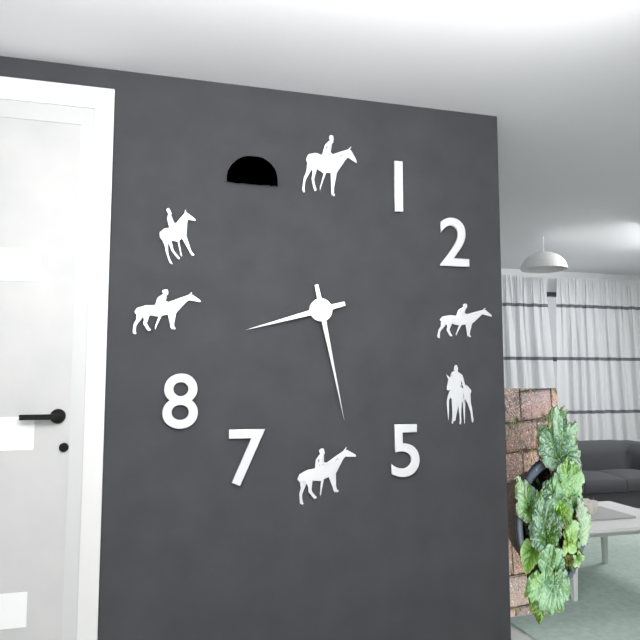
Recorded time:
8,28
